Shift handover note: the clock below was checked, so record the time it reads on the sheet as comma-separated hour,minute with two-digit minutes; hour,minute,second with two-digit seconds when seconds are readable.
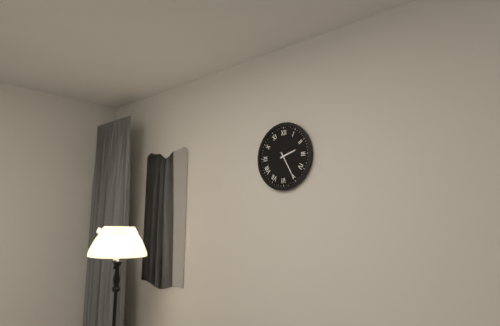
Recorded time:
2,25
